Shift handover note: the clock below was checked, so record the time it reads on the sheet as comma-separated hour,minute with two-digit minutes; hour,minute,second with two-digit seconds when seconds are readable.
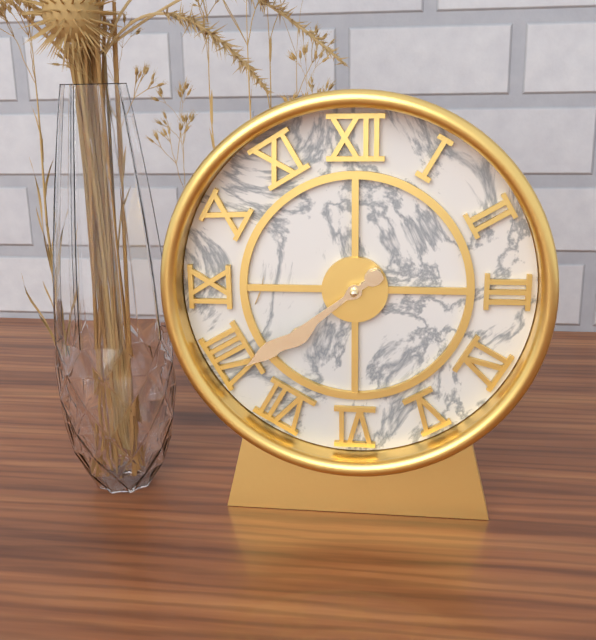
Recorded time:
7,39
